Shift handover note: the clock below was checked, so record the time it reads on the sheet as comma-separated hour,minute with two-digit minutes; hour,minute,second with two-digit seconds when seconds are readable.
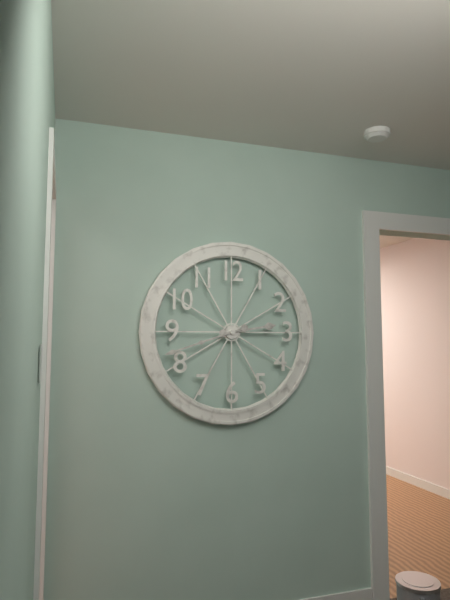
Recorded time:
2,42
